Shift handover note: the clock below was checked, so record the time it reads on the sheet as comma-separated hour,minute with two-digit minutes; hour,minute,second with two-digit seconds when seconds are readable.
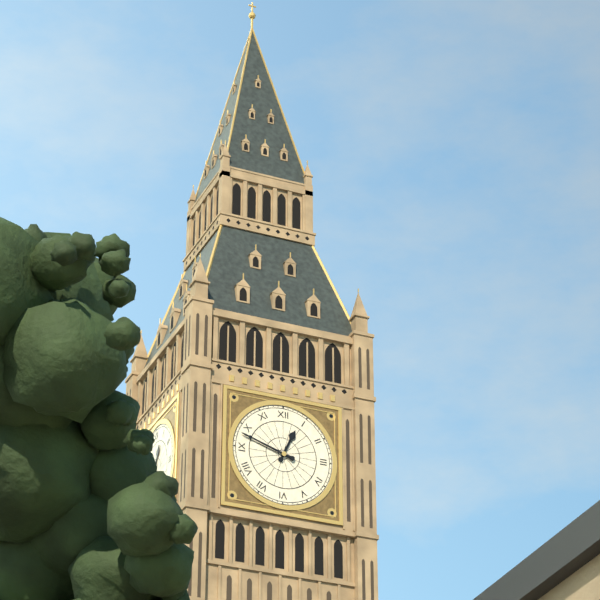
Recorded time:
12,48
